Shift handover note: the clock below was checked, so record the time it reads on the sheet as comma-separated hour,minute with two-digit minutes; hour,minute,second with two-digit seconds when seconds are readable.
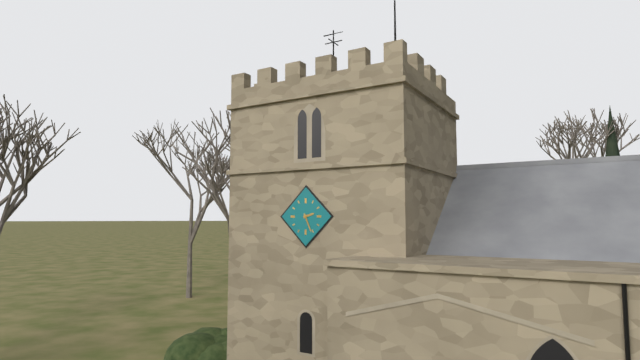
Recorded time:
2,26
